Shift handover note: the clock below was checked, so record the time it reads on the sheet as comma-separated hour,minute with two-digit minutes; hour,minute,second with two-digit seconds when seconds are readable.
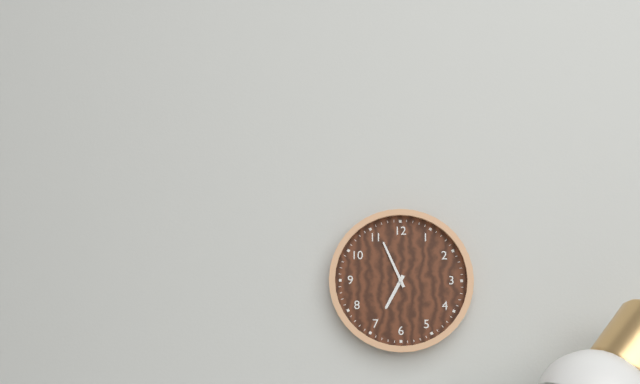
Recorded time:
6,56
